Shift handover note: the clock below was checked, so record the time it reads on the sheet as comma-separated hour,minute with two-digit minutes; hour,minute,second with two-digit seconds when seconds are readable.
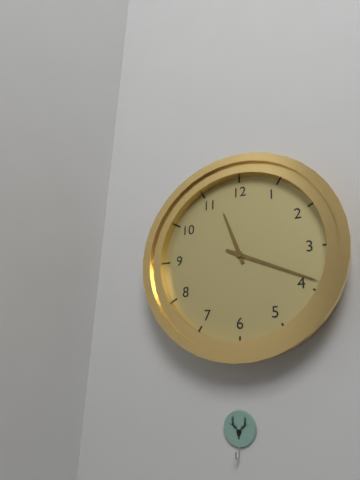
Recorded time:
11,19
